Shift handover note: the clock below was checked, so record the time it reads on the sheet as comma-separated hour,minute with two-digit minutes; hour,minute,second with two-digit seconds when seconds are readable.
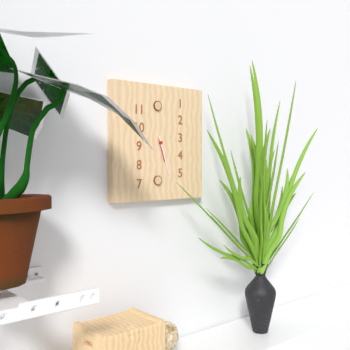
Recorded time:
5,27
